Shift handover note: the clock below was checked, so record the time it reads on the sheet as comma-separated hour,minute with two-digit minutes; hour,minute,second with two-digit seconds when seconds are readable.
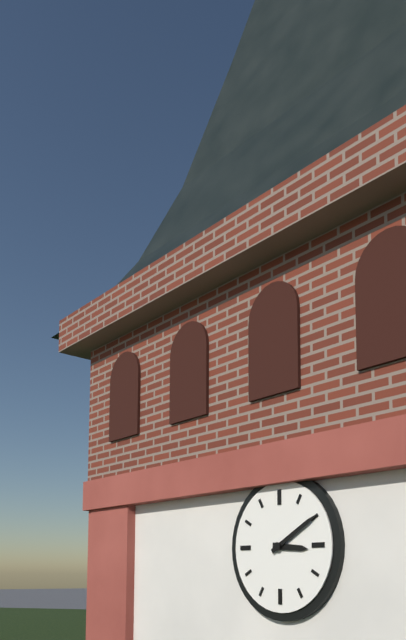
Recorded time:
3,10
